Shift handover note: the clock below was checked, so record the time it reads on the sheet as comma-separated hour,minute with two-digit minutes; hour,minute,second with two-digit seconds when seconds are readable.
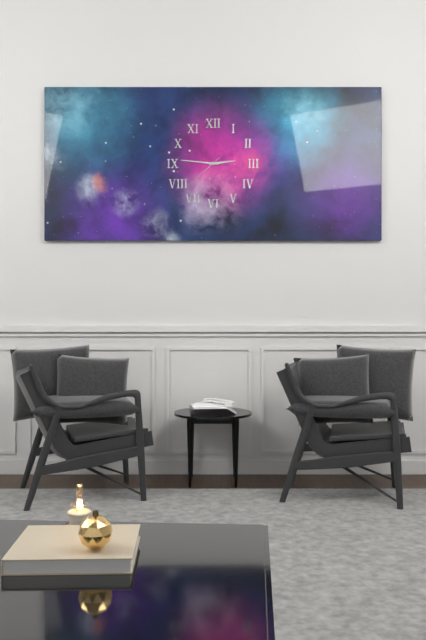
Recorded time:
2,46
